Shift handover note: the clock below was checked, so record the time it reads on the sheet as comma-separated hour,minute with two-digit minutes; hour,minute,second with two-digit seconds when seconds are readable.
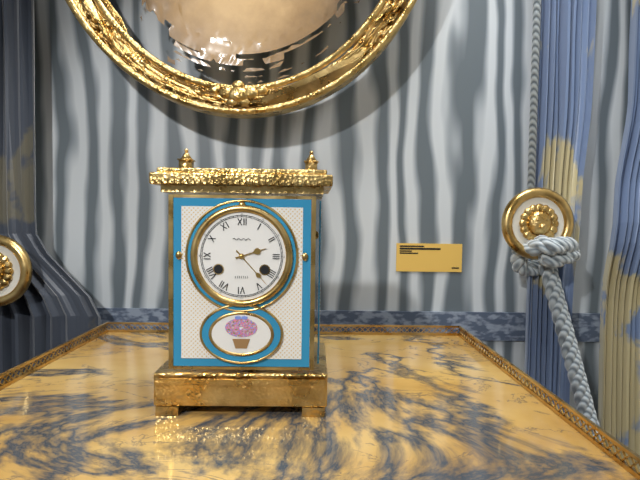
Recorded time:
2,23
